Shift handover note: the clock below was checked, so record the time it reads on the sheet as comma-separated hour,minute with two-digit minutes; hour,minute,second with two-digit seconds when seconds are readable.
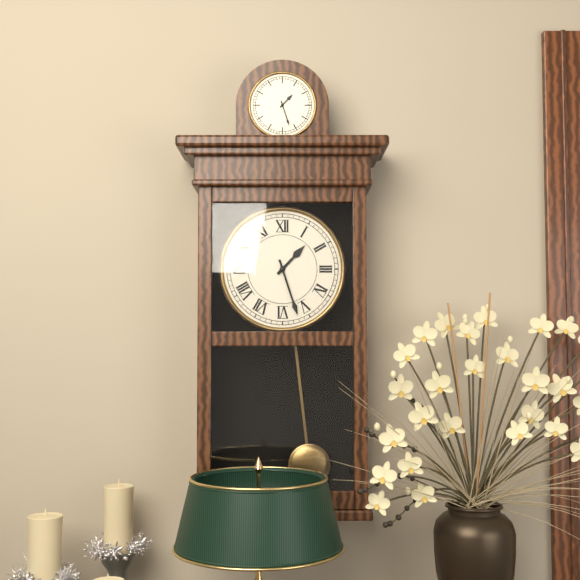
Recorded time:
1,27
